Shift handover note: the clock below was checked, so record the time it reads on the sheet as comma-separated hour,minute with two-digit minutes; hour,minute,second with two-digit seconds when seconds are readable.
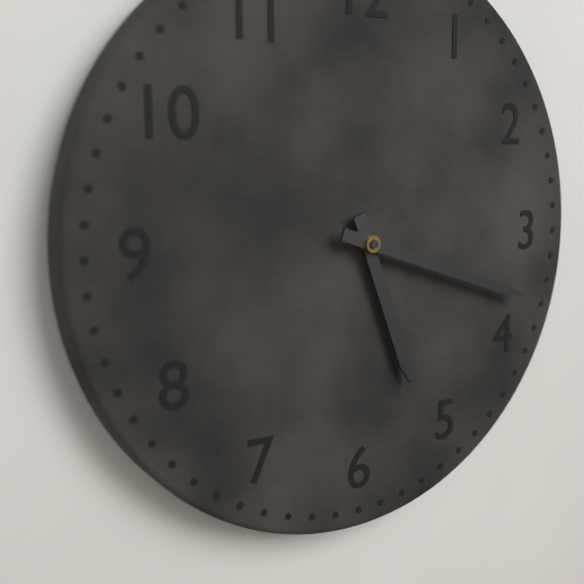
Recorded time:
5,18
